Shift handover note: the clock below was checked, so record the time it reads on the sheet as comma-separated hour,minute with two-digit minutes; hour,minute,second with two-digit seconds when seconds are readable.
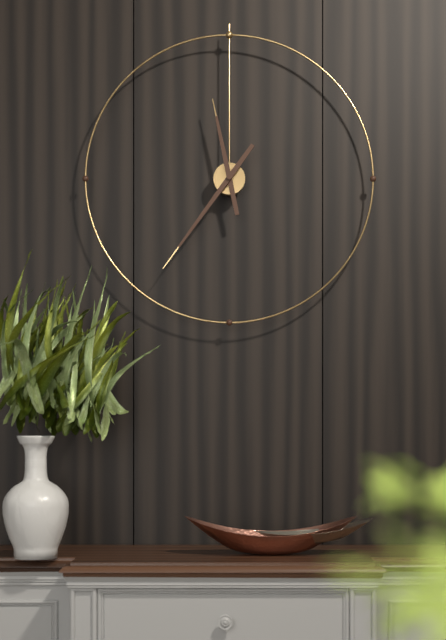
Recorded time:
11,36
